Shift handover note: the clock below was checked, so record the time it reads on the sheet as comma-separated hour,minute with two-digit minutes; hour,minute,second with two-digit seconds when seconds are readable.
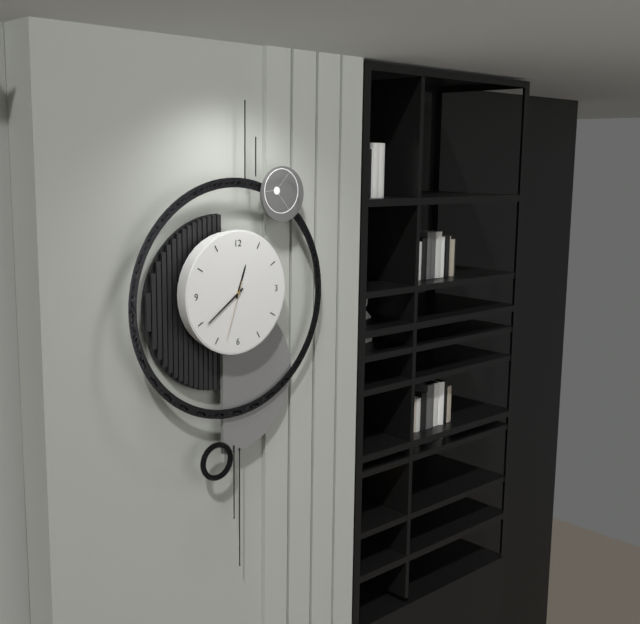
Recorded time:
12,39,33
